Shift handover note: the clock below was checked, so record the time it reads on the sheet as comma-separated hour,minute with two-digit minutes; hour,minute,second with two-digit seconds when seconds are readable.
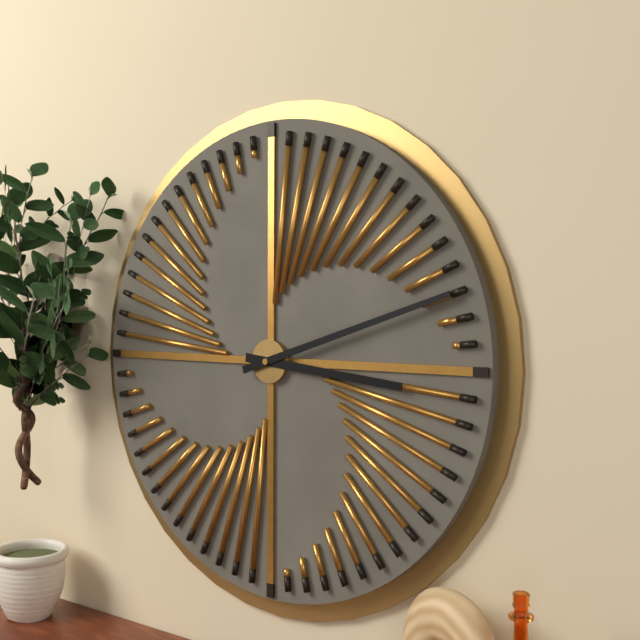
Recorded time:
3,12
